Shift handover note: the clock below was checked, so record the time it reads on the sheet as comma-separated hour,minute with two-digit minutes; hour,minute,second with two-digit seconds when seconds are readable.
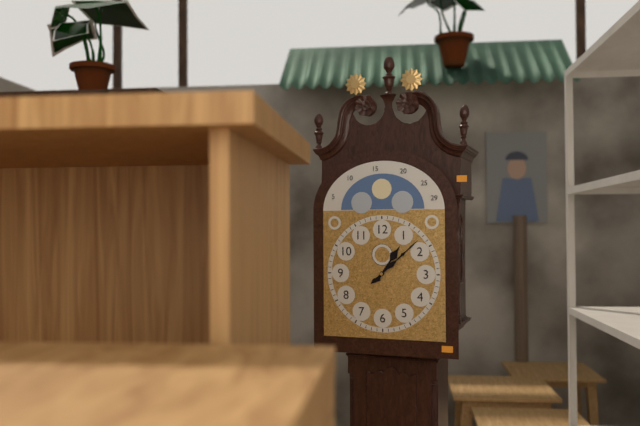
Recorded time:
1,08
